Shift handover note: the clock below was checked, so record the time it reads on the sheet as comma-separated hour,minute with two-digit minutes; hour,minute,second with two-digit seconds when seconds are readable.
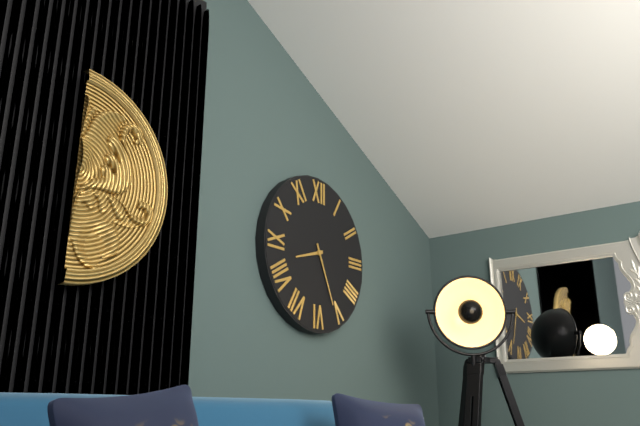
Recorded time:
8,26
